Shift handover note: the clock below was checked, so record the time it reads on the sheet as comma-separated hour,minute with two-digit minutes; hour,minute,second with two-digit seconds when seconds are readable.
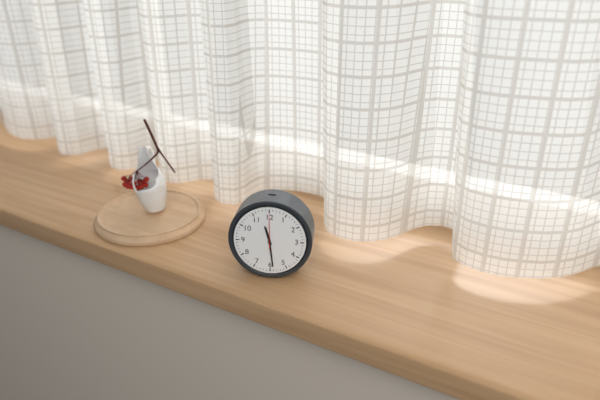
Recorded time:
11,29
